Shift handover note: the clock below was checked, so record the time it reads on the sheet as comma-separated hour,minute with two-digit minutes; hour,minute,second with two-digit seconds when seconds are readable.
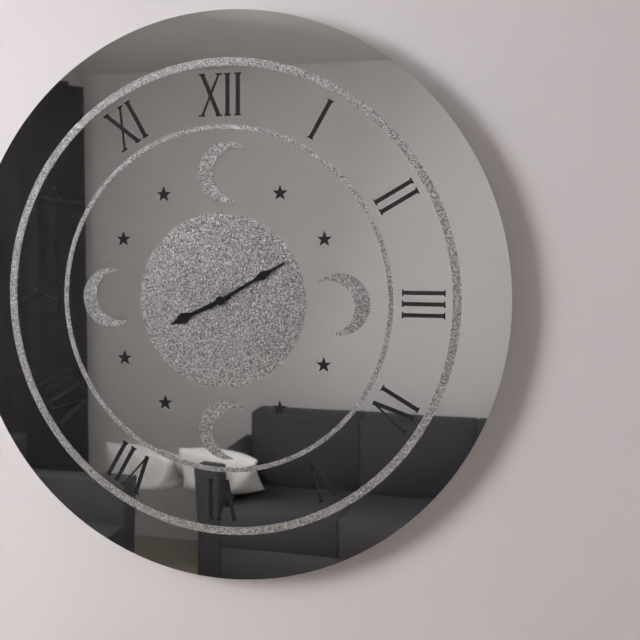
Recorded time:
8,10
